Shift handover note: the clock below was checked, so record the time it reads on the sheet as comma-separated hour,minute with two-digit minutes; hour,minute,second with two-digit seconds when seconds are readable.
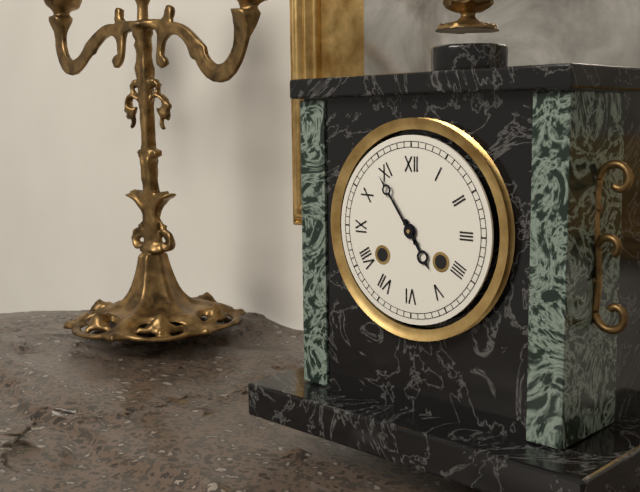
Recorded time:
4,54
